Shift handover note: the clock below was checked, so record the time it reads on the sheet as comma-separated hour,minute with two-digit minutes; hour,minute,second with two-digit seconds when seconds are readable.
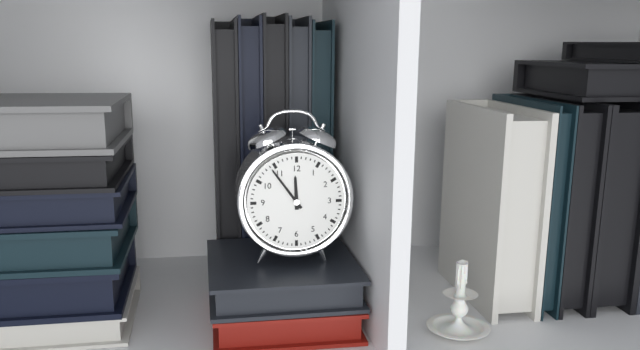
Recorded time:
11,54
